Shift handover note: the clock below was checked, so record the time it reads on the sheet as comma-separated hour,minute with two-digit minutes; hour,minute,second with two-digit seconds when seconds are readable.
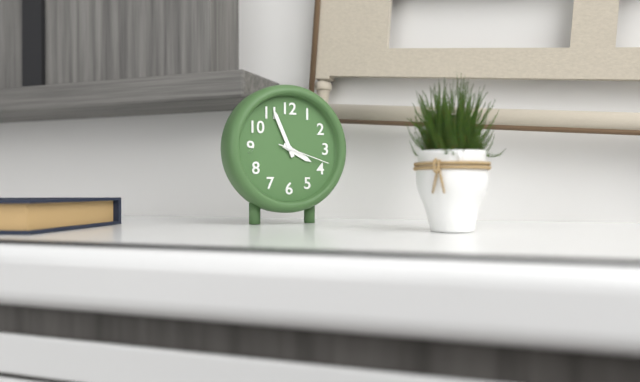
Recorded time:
3,56,18
